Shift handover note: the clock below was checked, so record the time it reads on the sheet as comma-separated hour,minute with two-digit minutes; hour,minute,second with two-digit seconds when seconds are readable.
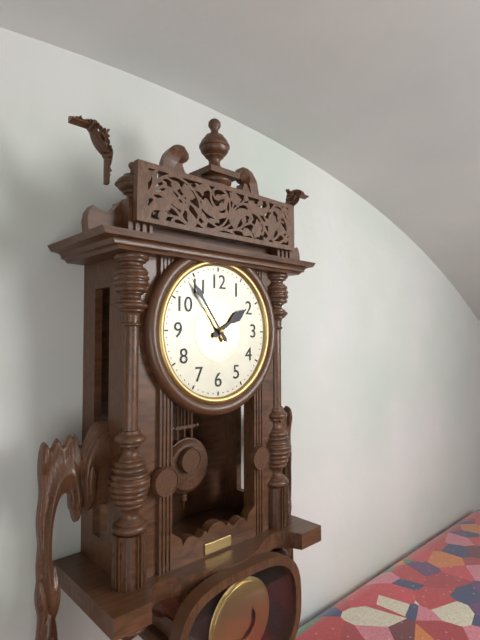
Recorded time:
1,54
